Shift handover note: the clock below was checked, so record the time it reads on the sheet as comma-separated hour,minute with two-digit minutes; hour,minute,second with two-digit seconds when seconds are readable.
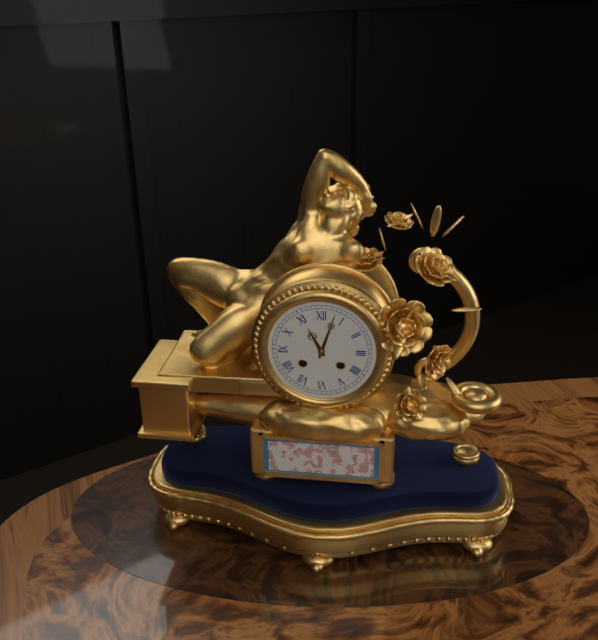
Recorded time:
11,03
